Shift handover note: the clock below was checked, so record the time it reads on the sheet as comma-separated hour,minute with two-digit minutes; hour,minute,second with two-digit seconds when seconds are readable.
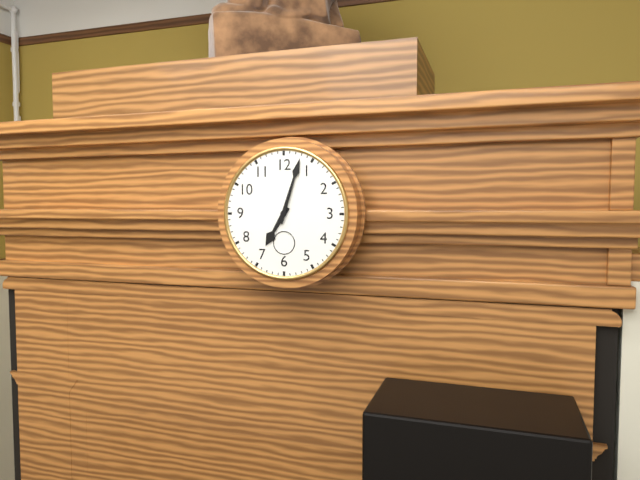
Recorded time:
7,03
